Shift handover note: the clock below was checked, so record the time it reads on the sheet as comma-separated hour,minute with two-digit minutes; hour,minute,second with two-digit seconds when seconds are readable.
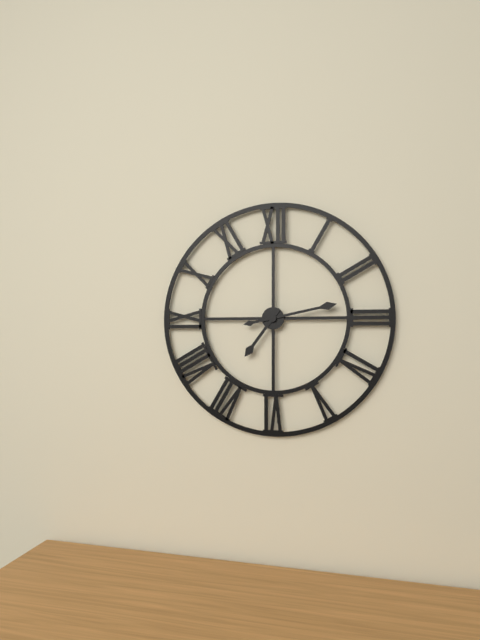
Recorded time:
7,13
